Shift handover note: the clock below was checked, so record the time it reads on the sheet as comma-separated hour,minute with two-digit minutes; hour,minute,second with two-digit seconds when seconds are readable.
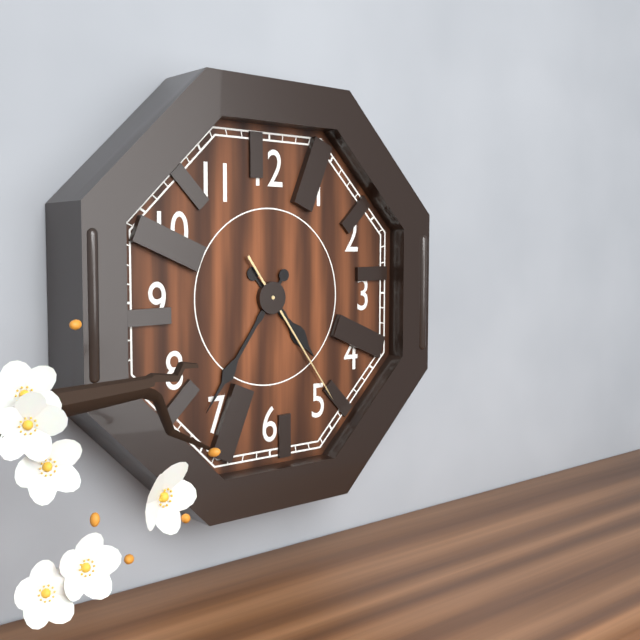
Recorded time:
4,36,24
